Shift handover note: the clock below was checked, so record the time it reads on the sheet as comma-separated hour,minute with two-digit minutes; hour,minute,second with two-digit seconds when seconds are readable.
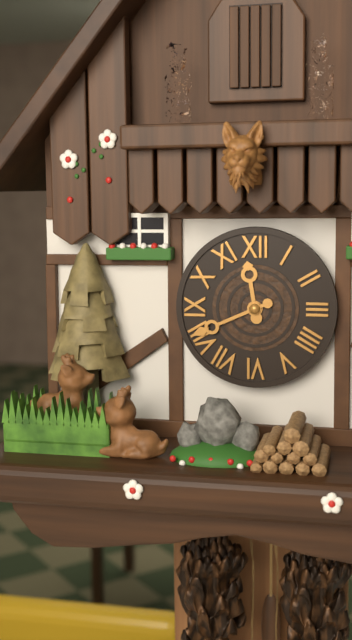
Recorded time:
11,41
